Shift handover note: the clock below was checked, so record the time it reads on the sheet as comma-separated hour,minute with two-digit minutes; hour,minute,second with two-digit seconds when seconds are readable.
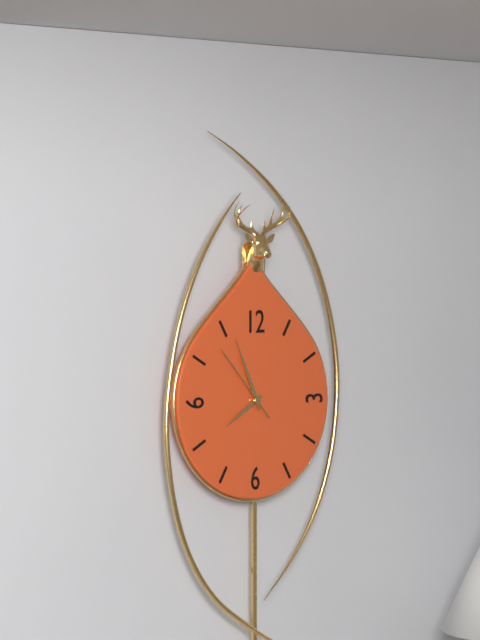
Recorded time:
7,56,53
